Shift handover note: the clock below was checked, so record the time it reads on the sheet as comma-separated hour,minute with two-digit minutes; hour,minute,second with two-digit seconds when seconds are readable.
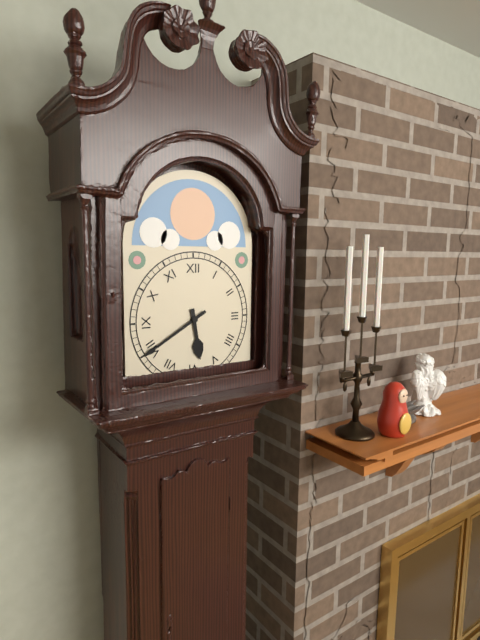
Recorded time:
5,40
